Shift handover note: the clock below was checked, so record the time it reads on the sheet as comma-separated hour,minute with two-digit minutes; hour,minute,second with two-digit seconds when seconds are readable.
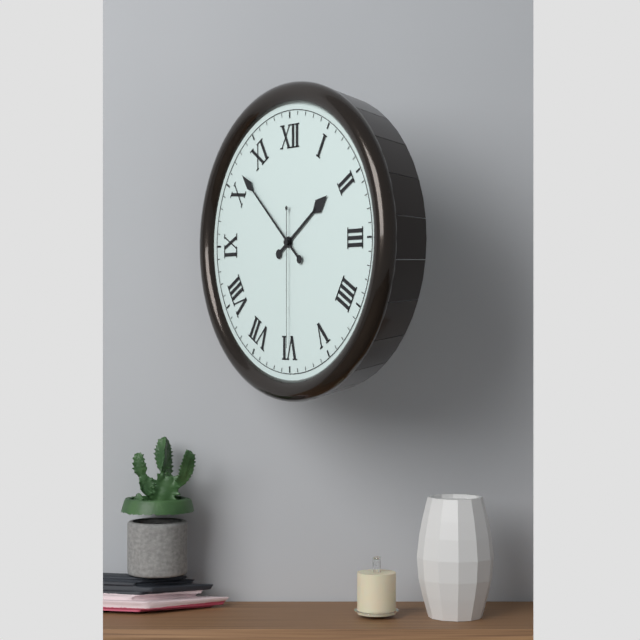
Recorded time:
1,52,30
